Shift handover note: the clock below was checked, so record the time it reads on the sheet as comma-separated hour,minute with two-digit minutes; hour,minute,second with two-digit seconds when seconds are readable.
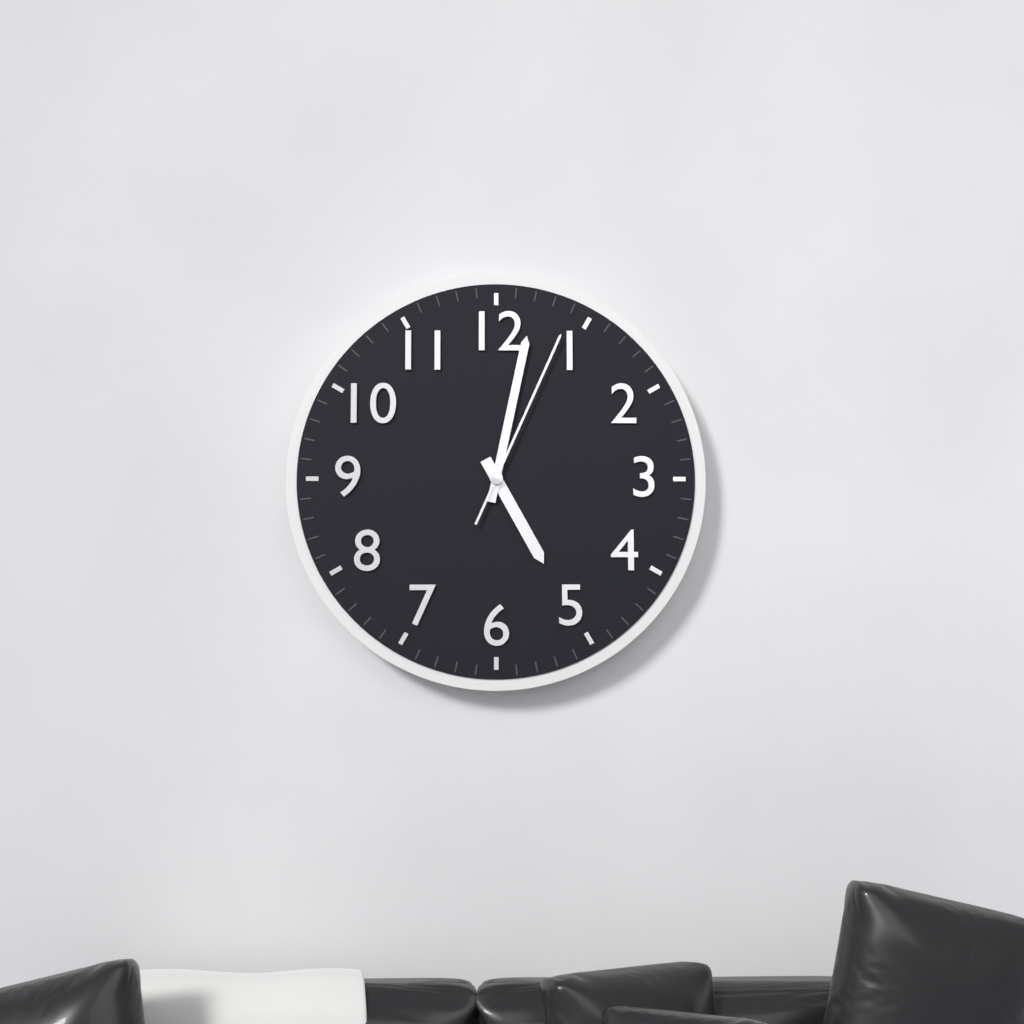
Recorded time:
5,02,04
